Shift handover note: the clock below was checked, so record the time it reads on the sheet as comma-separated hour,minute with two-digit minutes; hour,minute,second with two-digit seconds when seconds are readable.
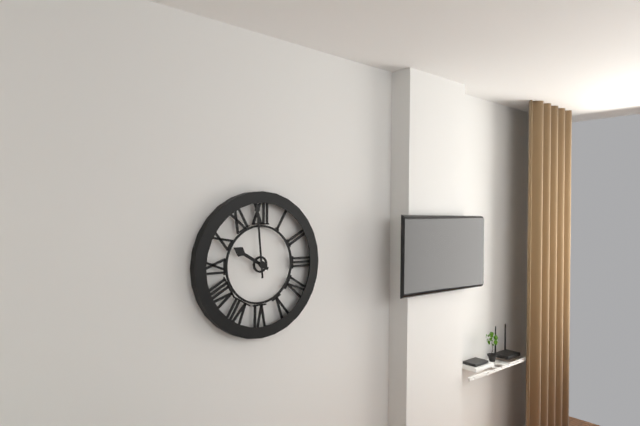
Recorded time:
9,59
